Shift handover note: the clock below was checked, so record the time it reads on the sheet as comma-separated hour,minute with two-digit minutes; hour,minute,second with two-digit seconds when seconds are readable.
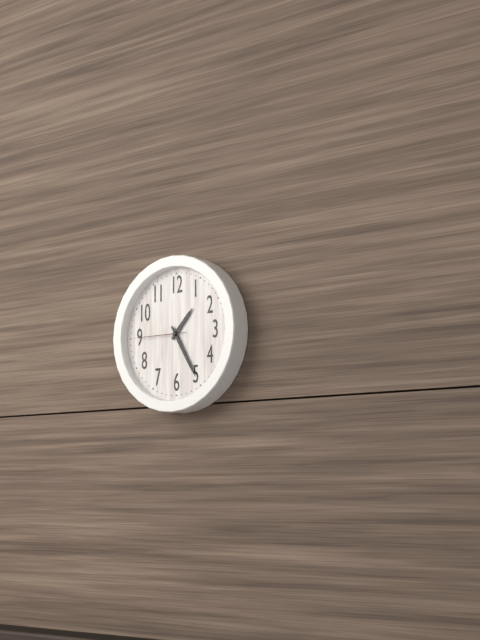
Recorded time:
1,25,45
